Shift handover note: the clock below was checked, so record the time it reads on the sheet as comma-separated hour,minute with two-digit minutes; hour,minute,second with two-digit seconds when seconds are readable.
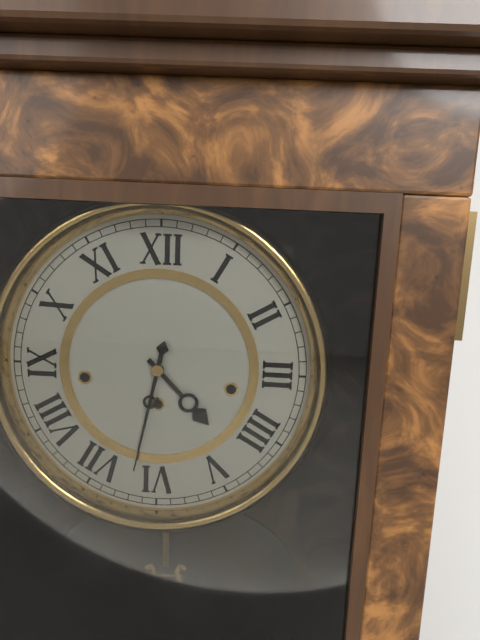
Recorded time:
4,32
